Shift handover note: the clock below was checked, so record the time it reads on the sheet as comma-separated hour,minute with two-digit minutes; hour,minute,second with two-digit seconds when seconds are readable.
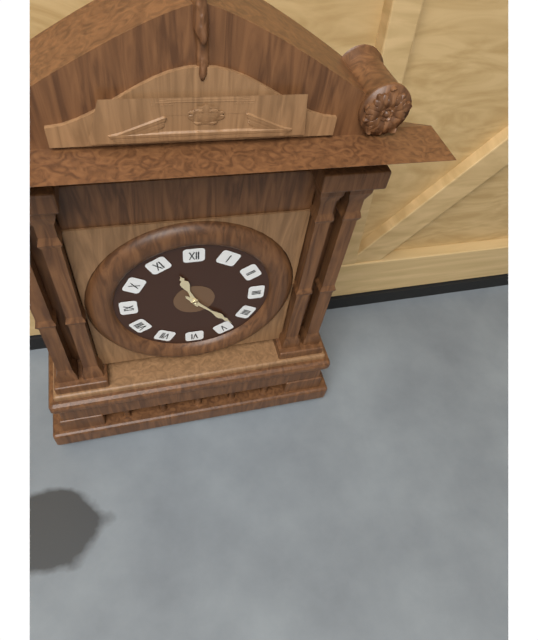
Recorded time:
11,23
